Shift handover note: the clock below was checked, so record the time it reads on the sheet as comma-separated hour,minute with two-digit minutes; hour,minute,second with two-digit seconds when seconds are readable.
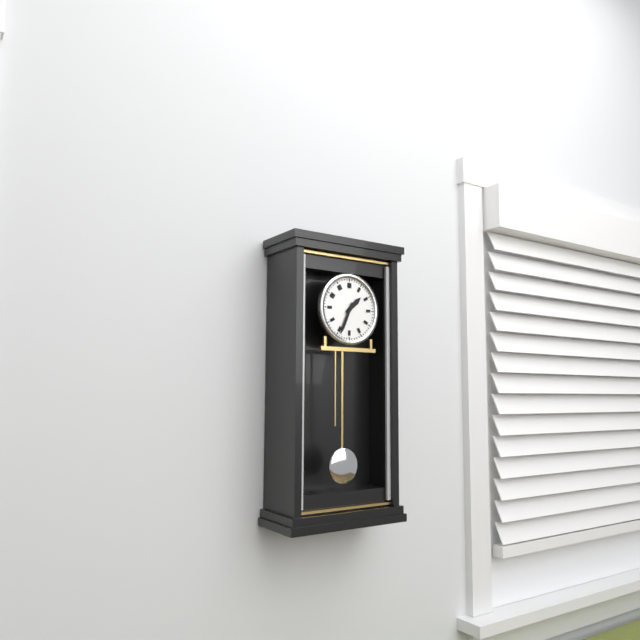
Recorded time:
1,34
